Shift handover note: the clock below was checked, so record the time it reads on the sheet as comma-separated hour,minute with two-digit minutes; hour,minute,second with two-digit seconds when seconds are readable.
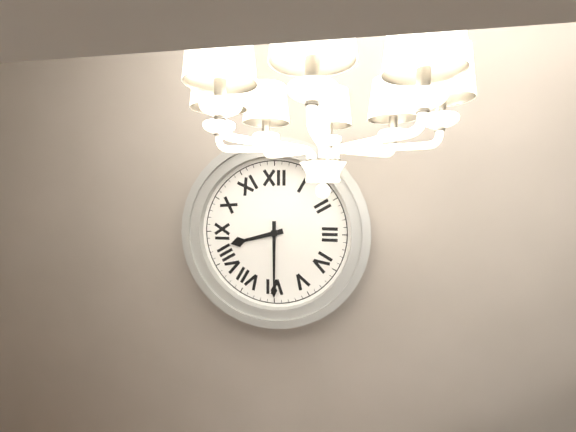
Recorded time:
8,30
